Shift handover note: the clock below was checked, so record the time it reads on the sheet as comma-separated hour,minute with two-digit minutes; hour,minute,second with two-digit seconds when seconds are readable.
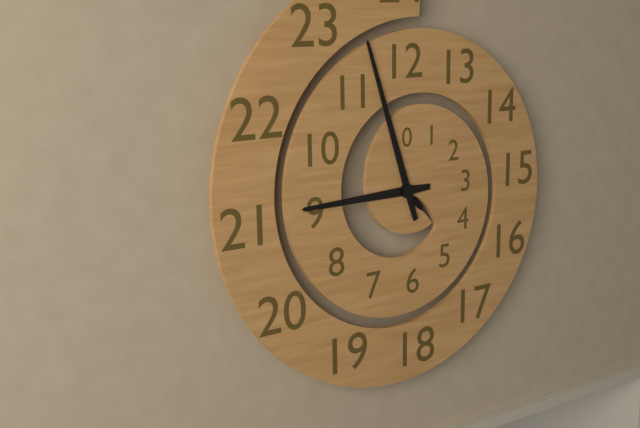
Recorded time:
8,57
